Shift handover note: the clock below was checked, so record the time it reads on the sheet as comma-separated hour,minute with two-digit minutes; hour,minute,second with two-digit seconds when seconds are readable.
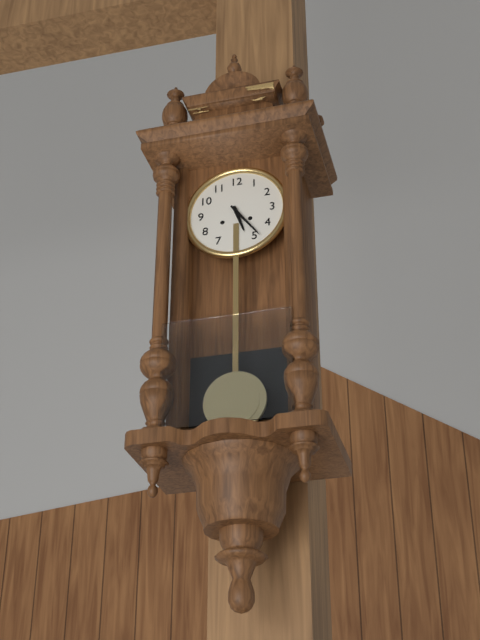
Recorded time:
5,24
